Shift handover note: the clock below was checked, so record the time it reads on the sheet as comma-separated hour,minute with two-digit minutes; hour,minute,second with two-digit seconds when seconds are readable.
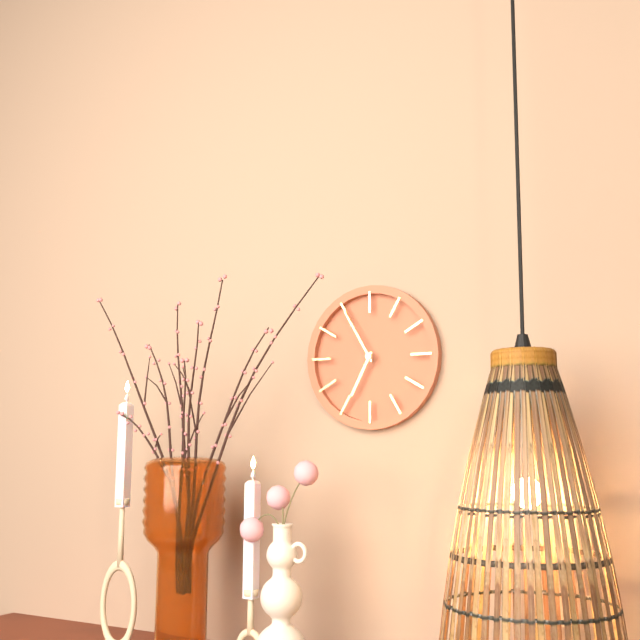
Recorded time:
6,55
